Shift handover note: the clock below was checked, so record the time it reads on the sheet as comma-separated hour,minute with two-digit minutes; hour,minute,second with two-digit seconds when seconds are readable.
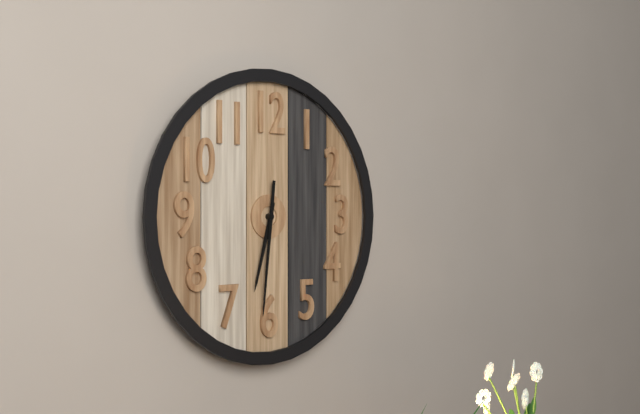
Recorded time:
6,31
